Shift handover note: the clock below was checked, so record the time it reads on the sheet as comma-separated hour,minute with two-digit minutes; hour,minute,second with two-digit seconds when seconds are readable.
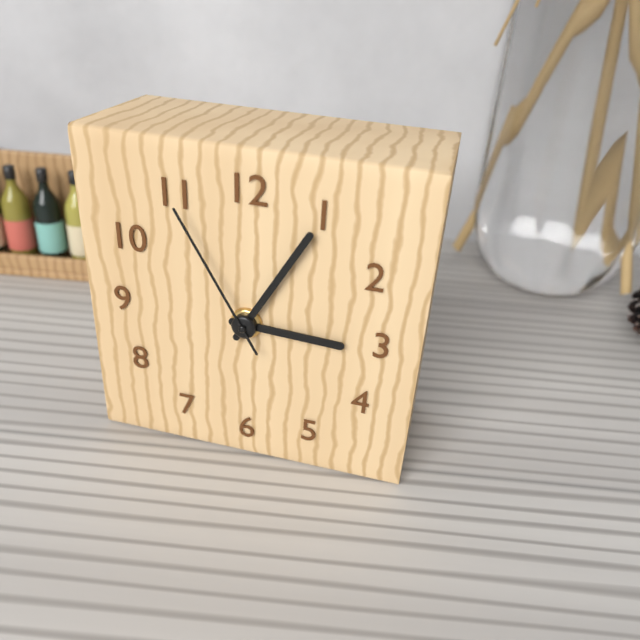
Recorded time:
3,05,55
